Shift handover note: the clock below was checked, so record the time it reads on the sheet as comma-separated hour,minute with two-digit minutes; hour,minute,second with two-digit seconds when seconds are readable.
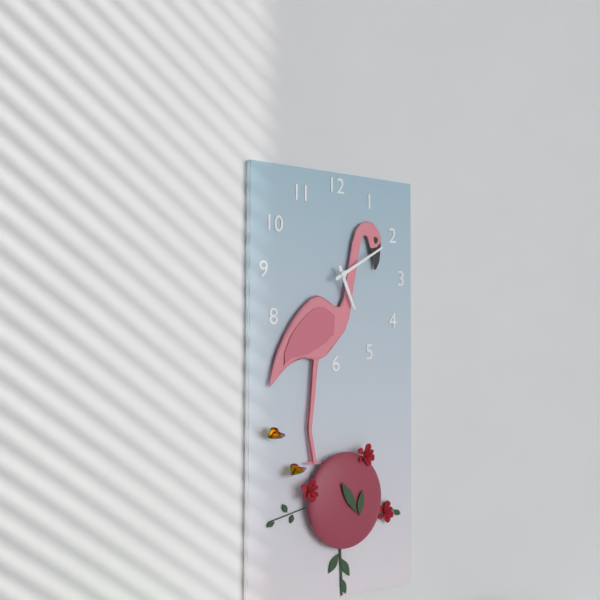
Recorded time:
5,10
